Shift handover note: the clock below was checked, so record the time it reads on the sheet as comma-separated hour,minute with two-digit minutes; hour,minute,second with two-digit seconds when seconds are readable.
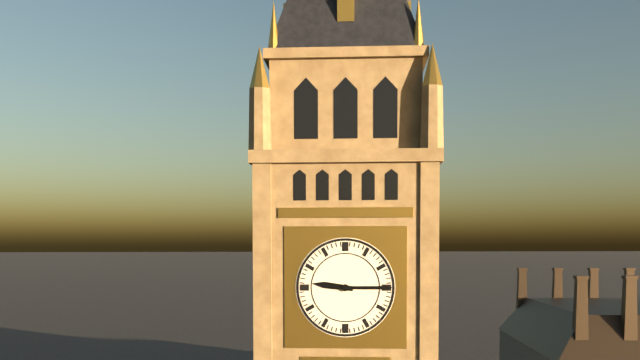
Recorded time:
9,15
